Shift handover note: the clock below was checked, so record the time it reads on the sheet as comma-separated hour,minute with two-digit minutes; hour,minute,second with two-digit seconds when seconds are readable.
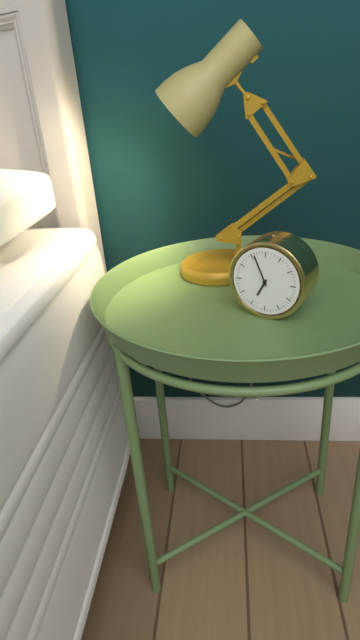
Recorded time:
6,56
